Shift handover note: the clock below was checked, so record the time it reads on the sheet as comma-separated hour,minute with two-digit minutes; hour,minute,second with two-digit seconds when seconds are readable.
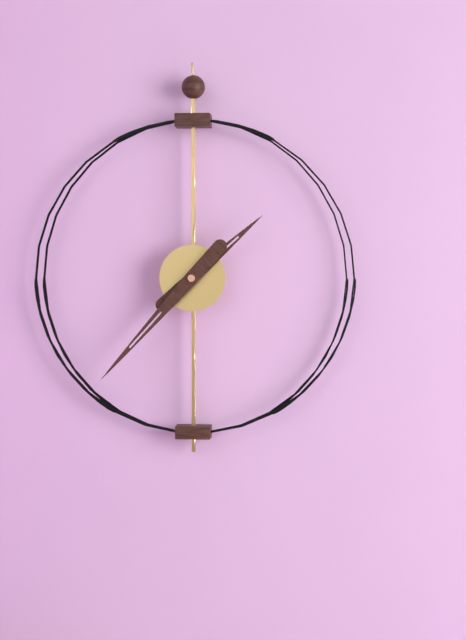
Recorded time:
1,37
